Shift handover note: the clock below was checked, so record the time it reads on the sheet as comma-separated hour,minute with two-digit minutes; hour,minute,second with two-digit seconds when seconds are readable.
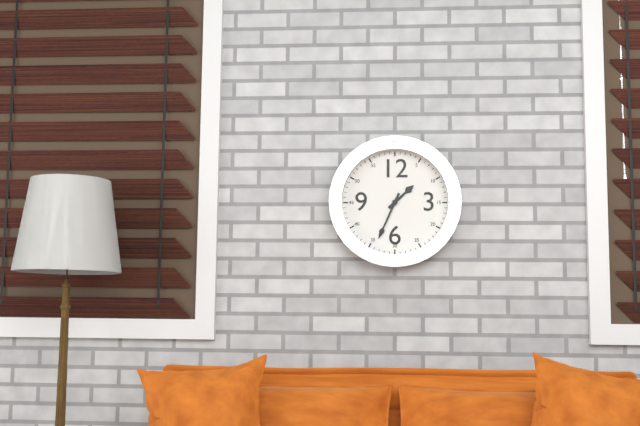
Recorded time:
1,34
